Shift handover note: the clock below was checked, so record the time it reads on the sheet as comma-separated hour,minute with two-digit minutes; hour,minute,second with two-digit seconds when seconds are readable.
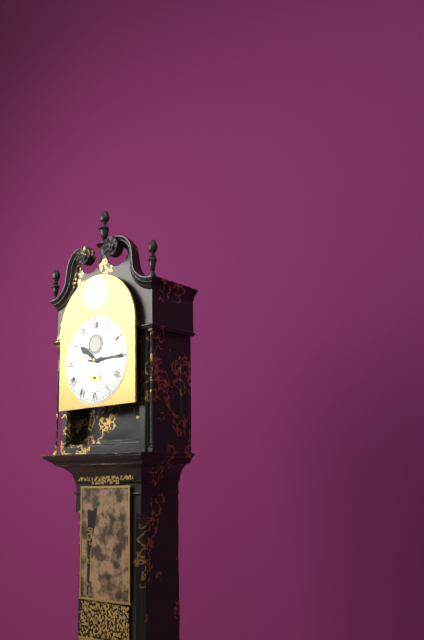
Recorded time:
10,15
